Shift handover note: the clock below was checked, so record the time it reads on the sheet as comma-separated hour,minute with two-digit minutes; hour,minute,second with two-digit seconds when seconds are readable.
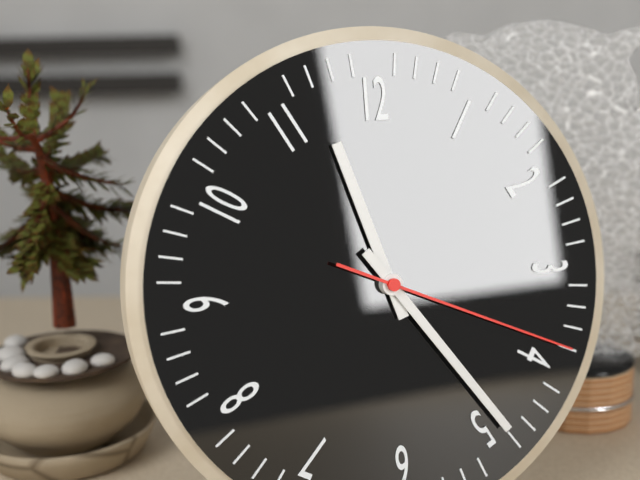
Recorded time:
11,24,19
